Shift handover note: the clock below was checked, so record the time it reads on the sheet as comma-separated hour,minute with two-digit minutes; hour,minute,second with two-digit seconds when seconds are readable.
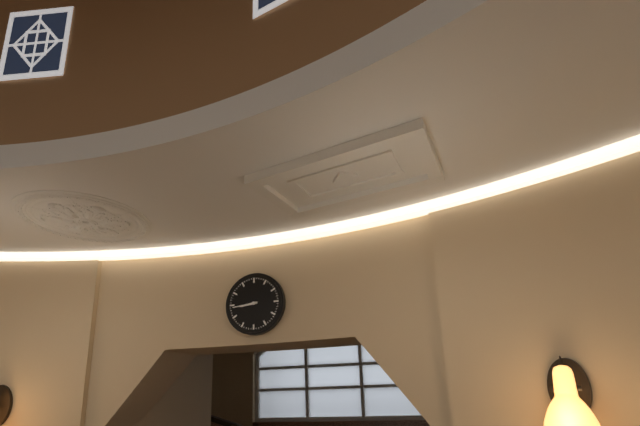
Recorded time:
8,44
